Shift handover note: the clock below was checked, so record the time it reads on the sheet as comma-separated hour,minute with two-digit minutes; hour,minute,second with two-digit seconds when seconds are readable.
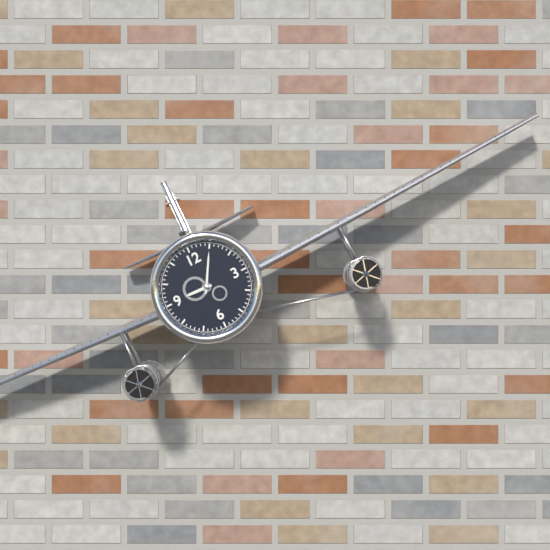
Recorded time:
9,05
